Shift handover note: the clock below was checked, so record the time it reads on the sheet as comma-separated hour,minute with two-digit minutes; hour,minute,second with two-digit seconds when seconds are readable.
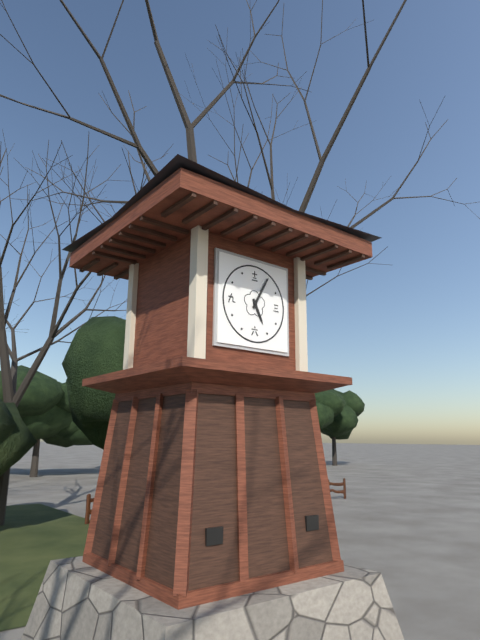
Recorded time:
5,05
